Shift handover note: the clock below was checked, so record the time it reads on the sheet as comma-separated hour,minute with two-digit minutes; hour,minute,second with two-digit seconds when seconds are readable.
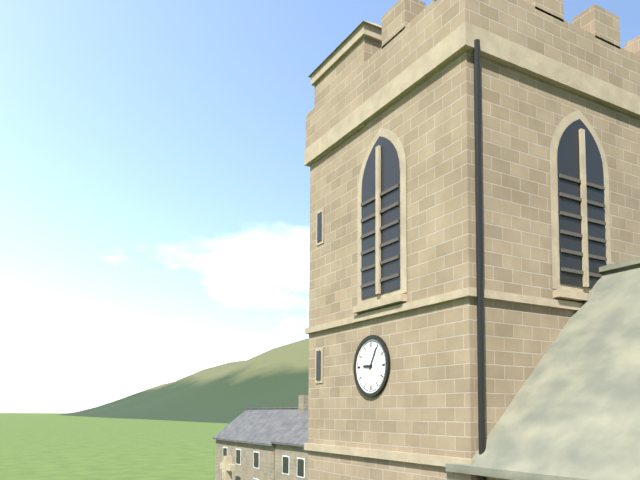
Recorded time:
9,05
